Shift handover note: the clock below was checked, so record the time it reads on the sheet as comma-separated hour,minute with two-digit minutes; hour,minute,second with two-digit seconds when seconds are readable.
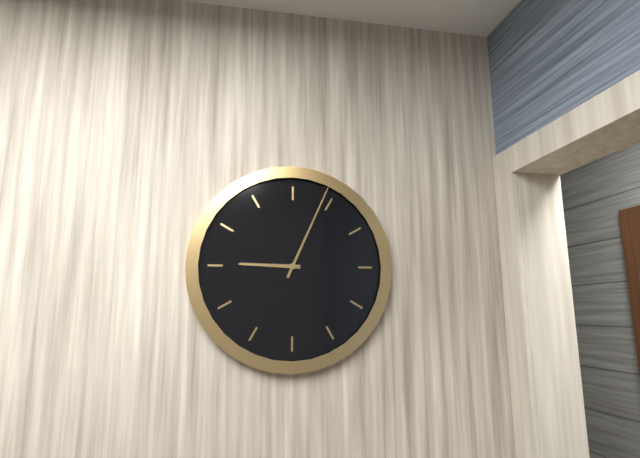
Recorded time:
9,04
